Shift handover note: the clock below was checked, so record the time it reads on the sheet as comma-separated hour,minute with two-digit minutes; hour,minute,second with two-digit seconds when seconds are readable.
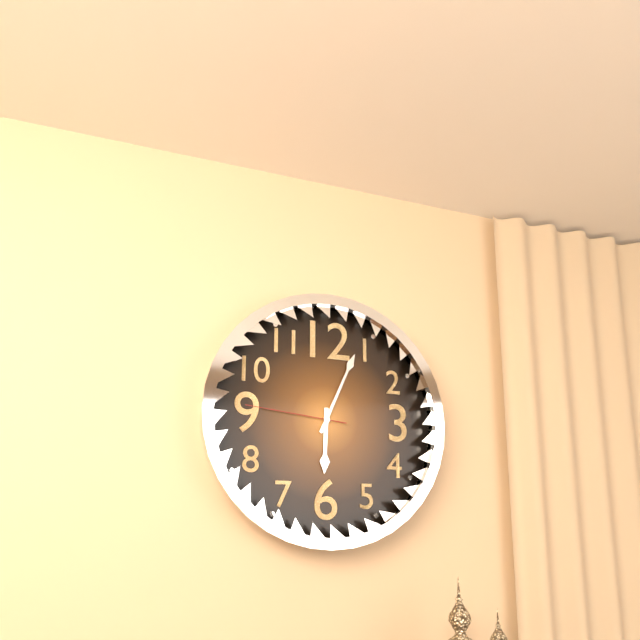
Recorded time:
6,04,46
